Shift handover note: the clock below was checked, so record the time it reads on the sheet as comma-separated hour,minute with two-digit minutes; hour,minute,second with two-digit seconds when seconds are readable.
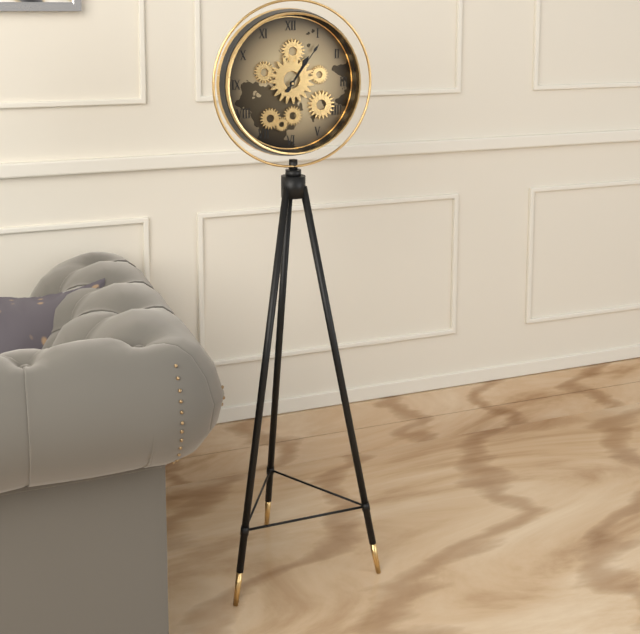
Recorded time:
1,06
